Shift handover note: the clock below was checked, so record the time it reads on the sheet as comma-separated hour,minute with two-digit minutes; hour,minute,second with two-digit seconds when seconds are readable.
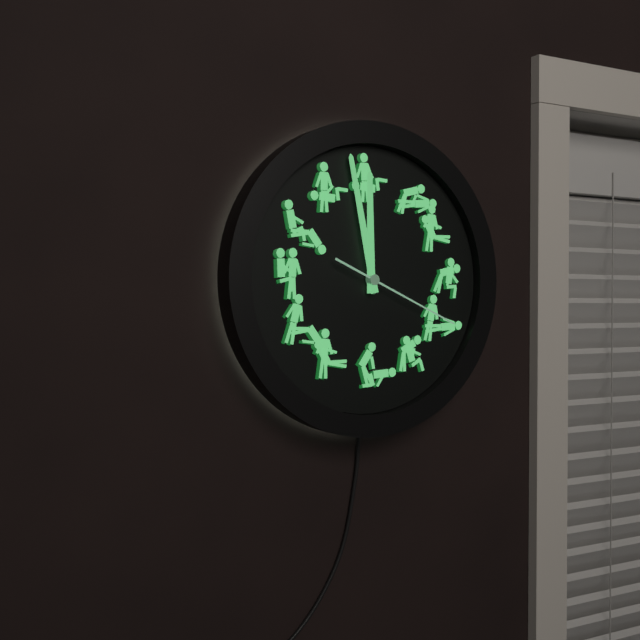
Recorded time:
11,58,19
